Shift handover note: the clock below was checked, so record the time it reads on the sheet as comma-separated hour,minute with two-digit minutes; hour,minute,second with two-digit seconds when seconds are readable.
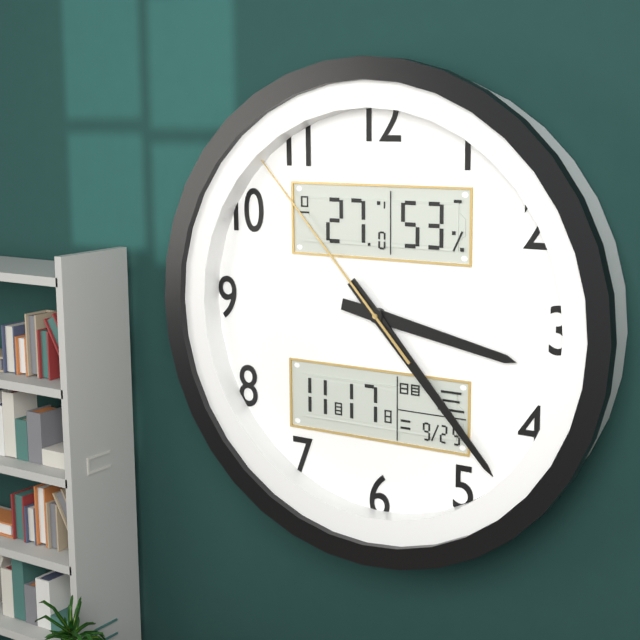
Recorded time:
3,23,53
